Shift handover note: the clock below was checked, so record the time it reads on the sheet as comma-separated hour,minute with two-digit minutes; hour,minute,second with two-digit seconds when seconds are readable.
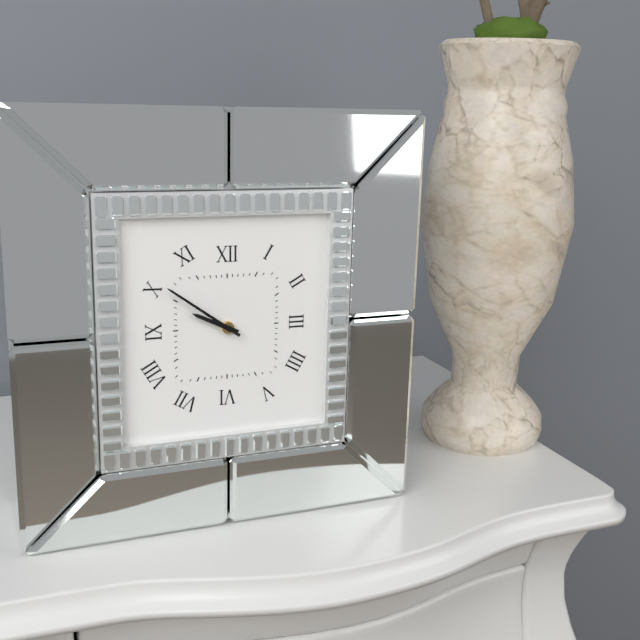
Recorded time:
9,51
